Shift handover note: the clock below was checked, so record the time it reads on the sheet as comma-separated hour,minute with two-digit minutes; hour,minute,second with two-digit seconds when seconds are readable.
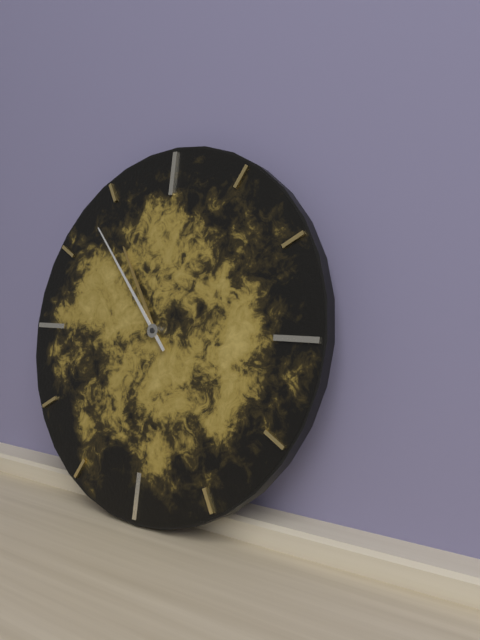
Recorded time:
10,53
